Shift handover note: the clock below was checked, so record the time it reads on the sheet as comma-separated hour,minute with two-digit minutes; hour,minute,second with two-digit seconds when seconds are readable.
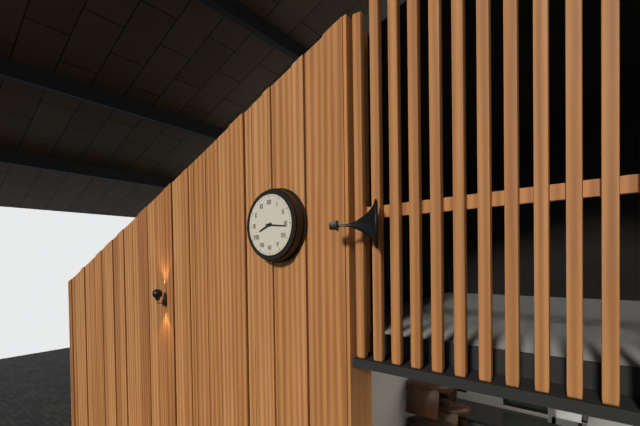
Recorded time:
8,16
